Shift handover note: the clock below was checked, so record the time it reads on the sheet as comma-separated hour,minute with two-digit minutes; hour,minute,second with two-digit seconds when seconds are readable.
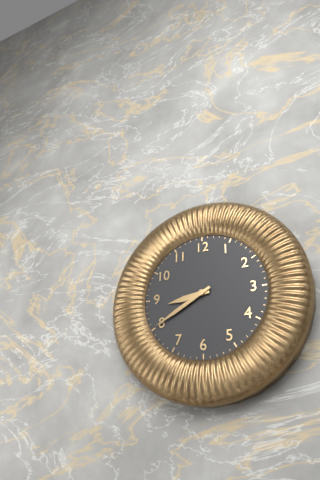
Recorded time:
8,40
